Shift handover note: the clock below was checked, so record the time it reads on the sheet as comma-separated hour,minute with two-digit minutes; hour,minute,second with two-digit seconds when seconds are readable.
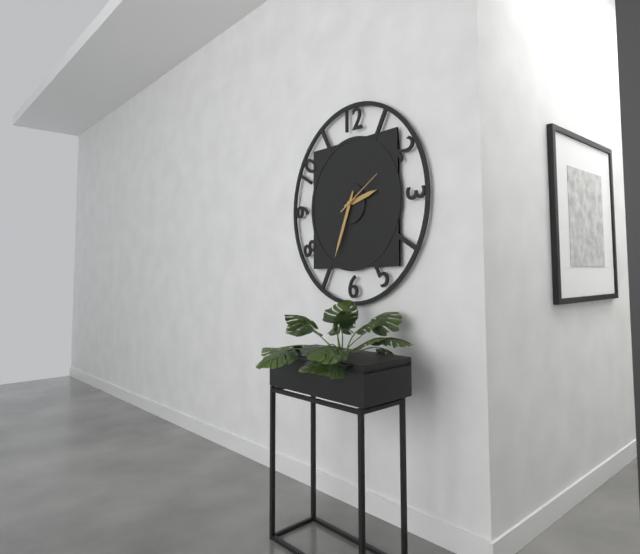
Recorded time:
2,34
